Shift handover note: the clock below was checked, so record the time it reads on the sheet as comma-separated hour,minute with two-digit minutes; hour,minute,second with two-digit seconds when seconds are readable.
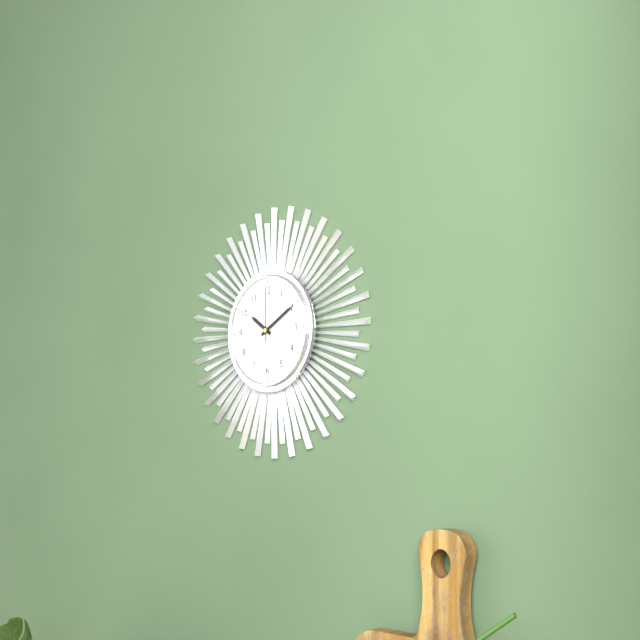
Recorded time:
10,10,00
